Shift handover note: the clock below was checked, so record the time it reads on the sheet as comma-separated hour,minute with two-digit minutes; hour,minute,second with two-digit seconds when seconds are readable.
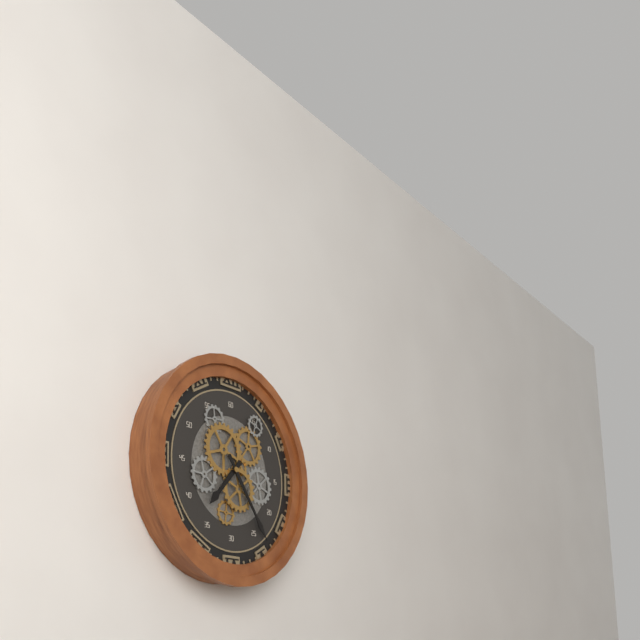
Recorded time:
7,24
